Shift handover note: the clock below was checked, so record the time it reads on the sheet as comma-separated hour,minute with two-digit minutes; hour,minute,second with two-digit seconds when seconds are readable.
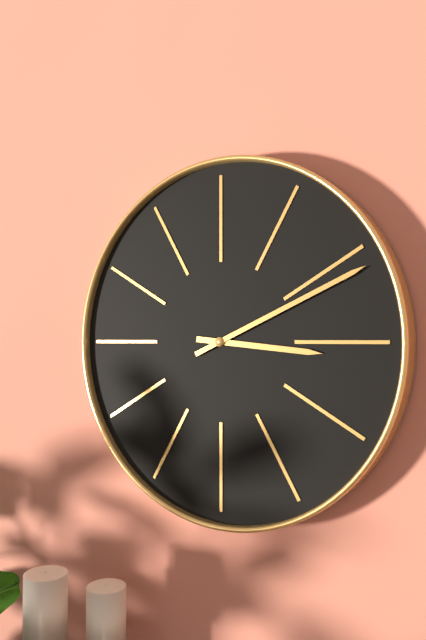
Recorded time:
3,11
